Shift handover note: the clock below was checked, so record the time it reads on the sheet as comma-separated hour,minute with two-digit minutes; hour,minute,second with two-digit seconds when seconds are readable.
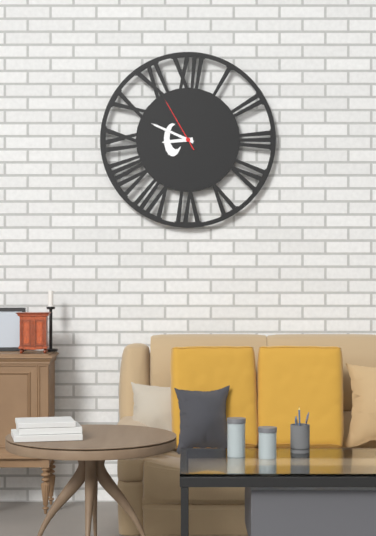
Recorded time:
8,49,55
